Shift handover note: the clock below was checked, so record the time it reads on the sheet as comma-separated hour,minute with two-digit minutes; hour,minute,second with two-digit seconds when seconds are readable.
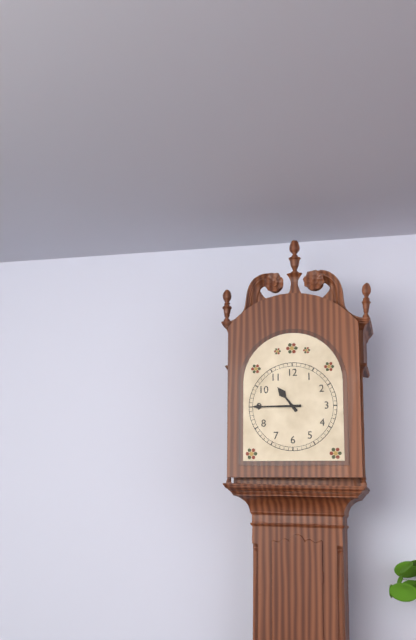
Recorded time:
10,45
